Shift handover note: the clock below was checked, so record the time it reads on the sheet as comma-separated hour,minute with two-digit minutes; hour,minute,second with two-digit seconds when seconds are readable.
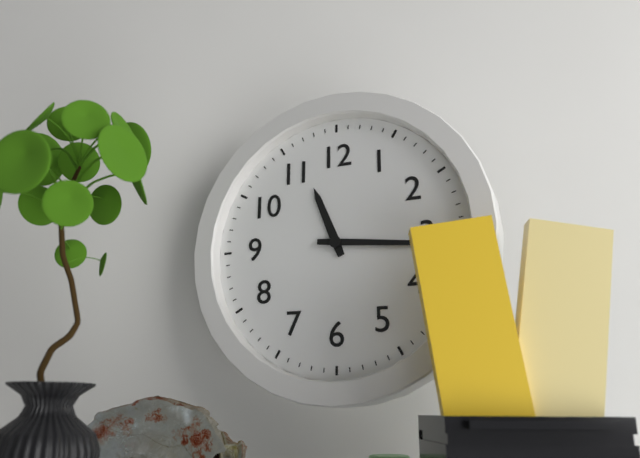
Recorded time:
11,16
